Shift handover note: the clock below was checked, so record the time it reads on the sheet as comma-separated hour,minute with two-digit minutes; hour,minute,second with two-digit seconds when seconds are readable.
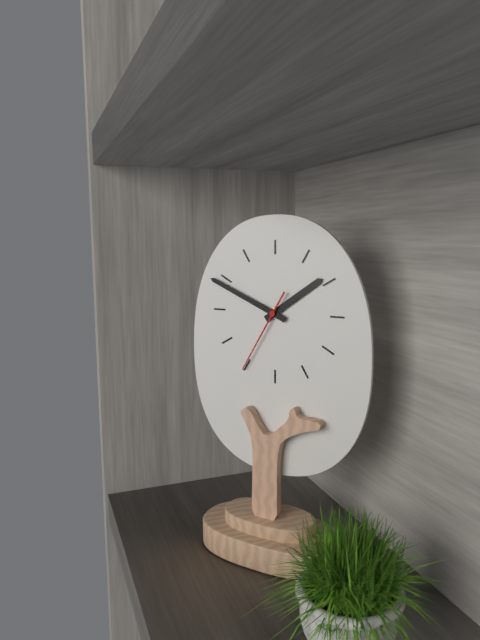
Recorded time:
1,49,35
